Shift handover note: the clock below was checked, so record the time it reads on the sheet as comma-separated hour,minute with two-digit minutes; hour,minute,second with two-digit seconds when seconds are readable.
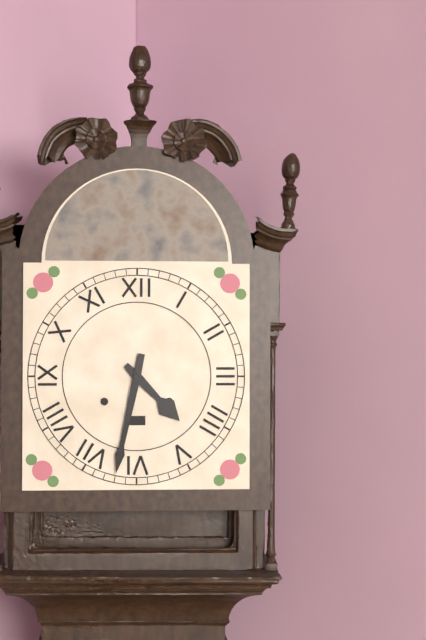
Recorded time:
4,32
